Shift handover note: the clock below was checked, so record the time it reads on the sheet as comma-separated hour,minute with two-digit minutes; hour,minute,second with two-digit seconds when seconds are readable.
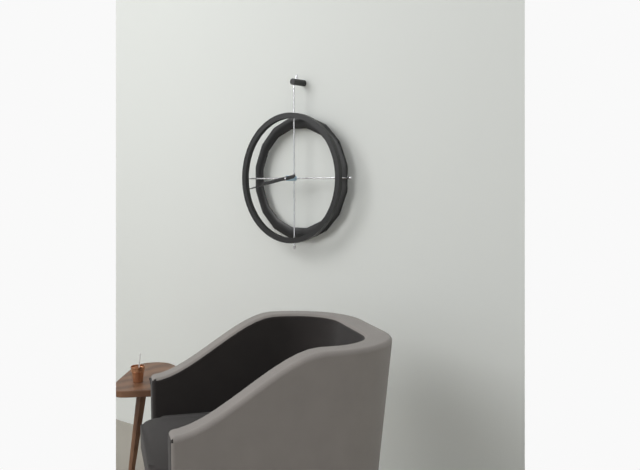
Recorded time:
8,43
